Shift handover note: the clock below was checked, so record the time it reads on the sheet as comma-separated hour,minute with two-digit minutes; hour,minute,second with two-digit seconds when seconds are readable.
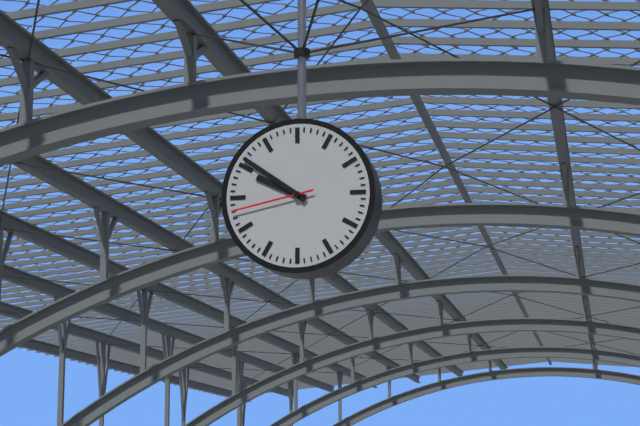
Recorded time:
9,51,43
